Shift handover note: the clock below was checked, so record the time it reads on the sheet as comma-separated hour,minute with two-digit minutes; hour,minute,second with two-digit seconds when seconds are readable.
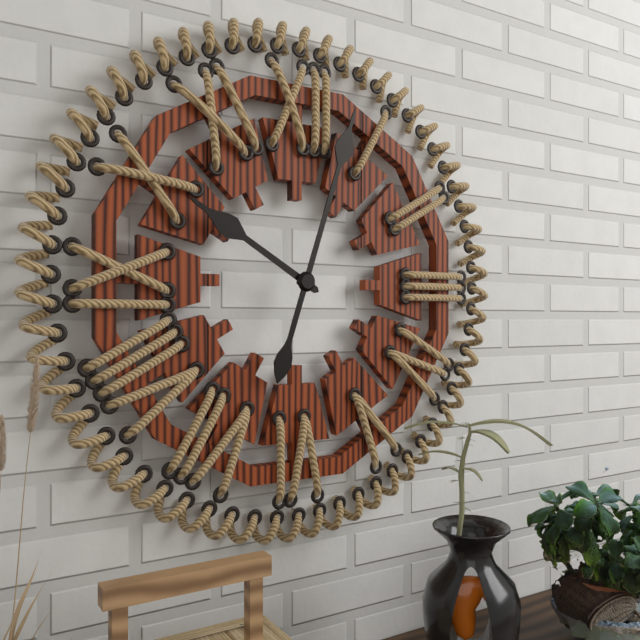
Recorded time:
10,03
